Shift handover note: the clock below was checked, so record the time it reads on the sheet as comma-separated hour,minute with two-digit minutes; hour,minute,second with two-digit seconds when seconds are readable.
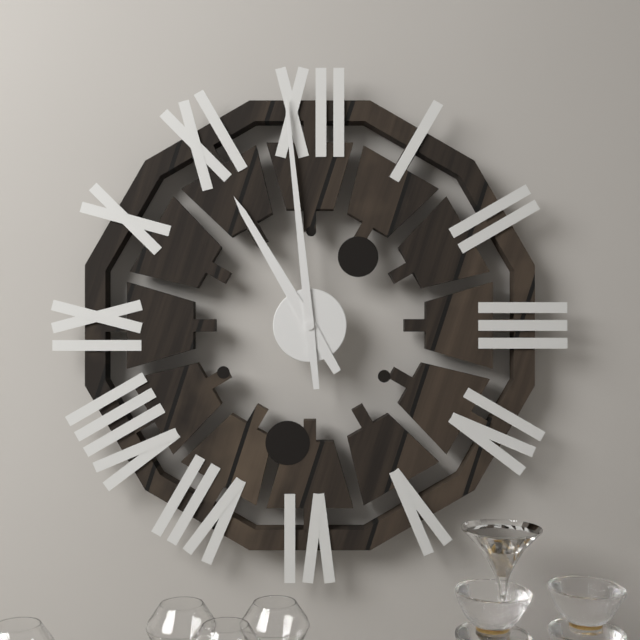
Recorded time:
10,59
